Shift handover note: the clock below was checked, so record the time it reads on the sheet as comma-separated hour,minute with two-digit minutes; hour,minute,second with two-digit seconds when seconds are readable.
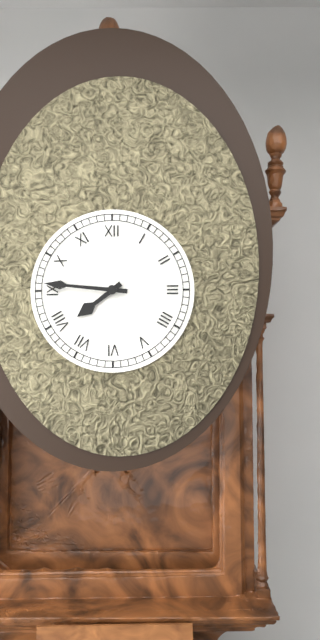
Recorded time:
7,46
